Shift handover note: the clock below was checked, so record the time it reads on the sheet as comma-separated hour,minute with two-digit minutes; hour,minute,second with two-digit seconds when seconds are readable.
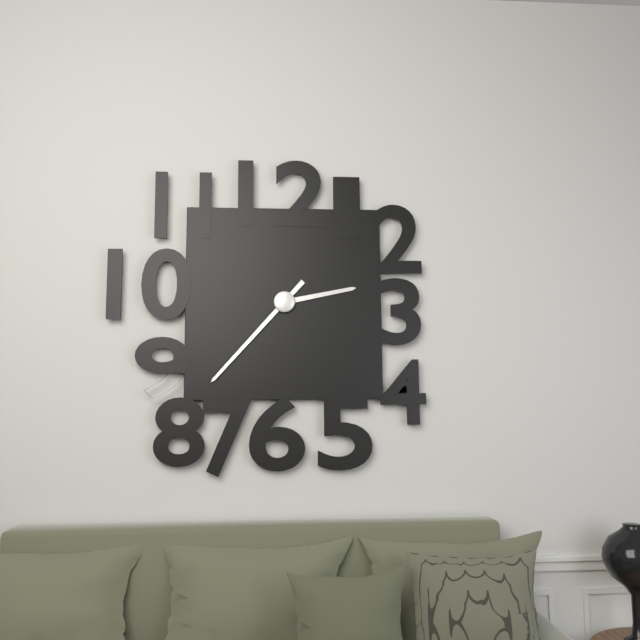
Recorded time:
2,37
